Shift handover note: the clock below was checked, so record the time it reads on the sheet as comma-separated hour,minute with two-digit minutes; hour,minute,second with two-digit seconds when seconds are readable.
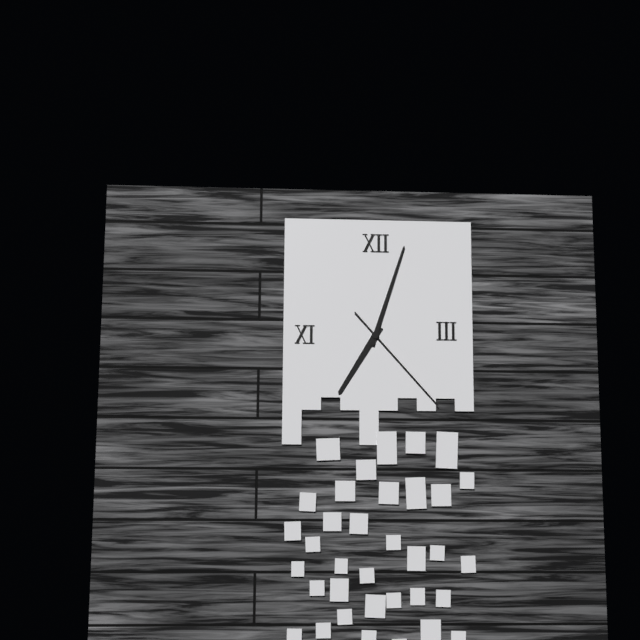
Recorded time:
7,03,23
